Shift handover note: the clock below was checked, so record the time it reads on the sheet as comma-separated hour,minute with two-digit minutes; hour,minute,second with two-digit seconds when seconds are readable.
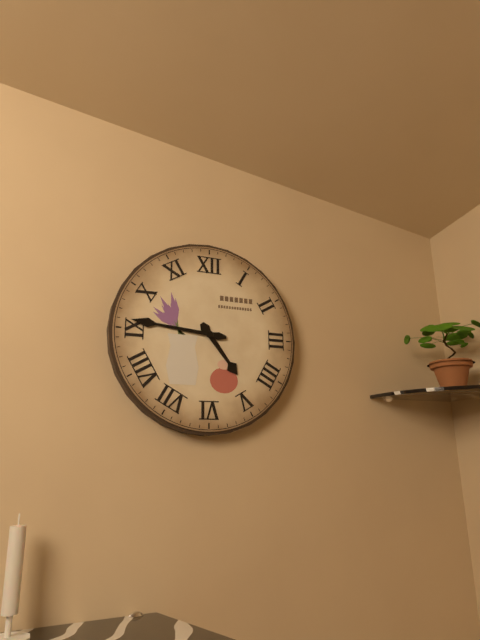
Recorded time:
4,46
